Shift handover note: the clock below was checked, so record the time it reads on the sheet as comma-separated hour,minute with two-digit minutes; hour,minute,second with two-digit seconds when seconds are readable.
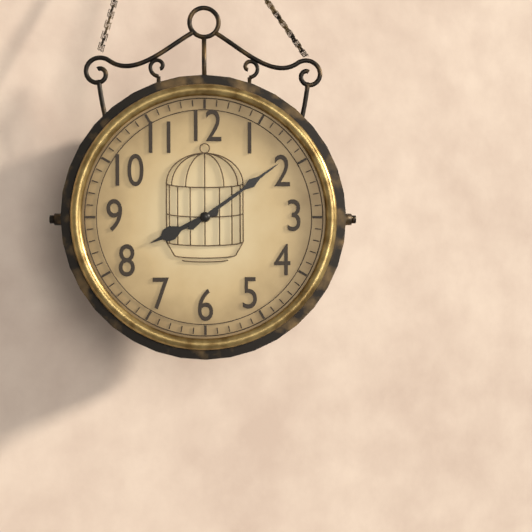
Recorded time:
8,09
